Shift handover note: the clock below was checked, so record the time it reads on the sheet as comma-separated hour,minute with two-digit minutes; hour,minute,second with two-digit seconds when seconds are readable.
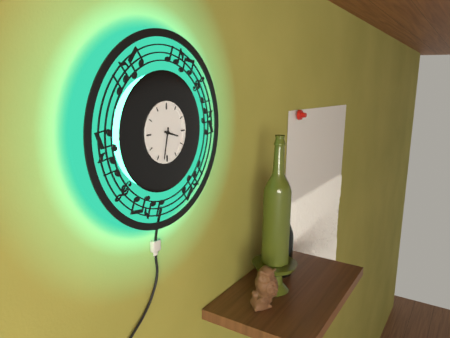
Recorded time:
3,32
